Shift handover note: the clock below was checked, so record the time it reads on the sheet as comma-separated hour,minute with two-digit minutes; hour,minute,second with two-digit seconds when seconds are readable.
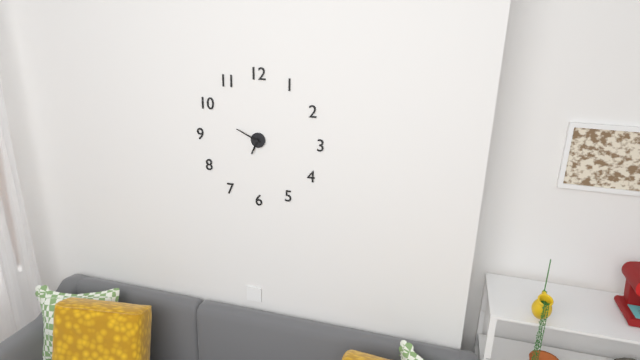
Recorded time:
6,49
